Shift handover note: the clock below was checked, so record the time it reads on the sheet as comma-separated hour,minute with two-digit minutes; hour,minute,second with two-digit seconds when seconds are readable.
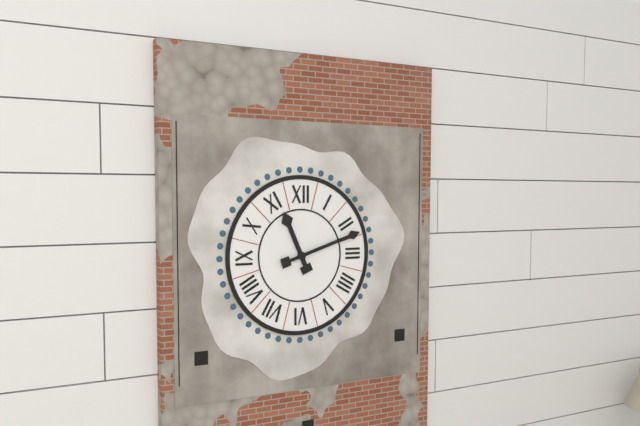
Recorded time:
11,12
